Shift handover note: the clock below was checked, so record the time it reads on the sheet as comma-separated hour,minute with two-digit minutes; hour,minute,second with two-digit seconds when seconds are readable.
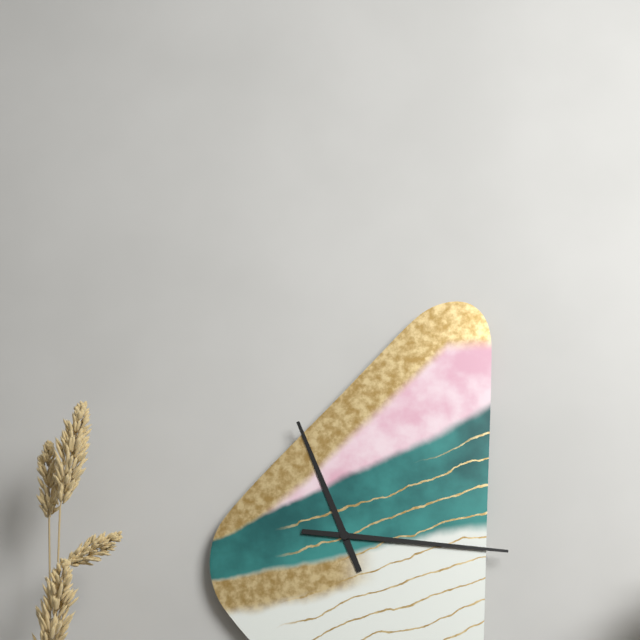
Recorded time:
11,16
